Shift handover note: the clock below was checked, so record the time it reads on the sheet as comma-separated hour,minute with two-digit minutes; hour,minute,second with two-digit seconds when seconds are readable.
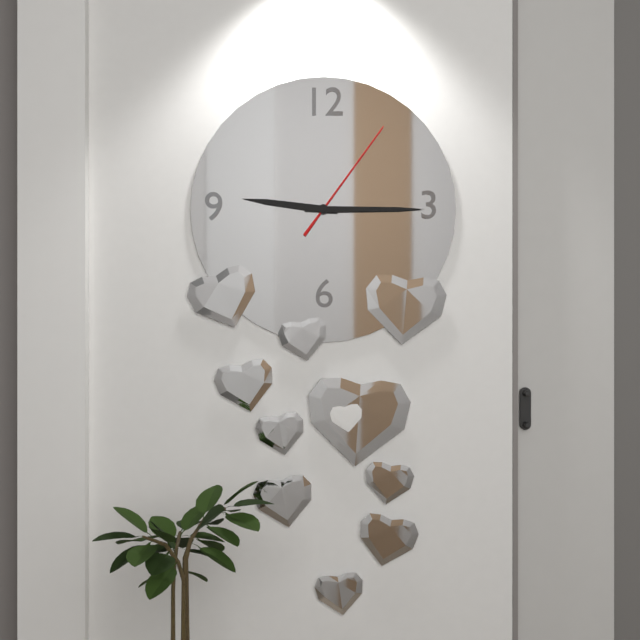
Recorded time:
9,15,06
